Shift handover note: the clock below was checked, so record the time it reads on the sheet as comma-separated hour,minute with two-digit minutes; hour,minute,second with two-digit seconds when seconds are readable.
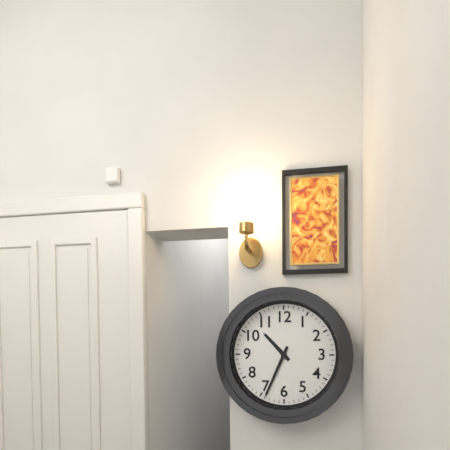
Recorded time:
10,34
